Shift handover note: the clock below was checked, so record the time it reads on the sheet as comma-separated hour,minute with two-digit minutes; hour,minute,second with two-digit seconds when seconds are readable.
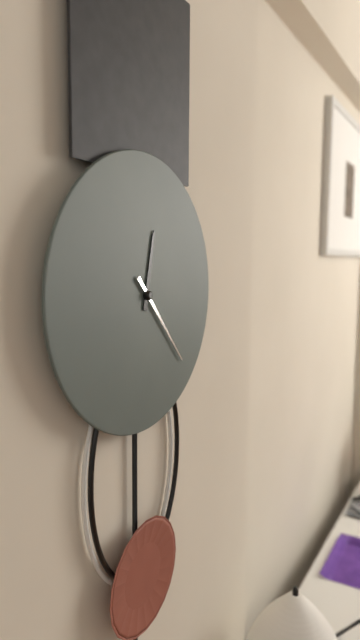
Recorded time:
12,23
